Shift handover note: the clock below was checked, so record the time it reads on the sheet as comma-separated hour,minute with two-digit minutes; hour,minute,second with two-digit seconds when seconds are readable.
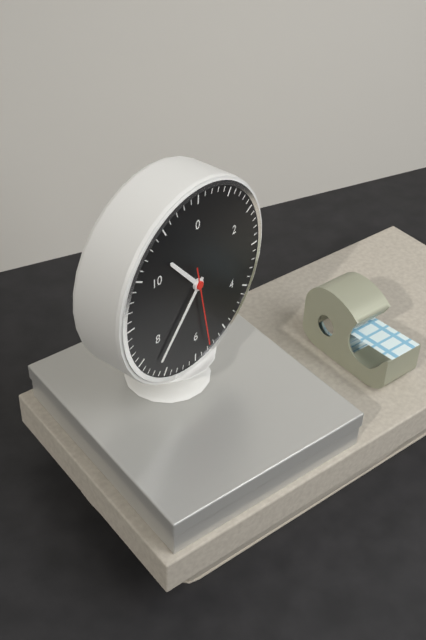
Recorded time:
10,37,28
